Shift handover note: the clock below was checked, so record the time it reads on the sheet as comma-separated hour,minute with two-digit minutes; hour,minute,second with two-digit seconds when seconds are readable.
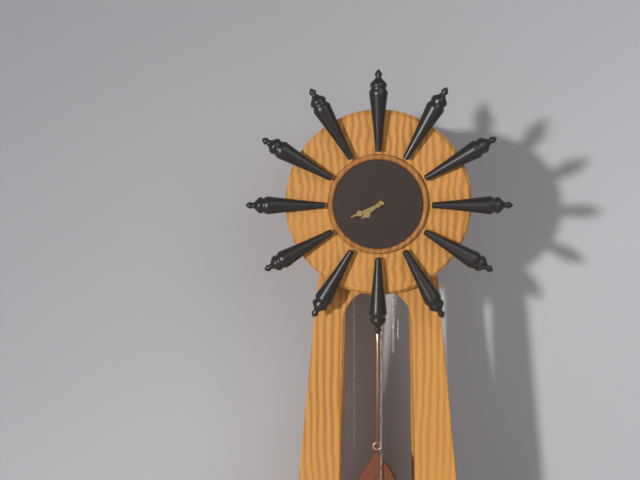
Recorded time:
7,41
